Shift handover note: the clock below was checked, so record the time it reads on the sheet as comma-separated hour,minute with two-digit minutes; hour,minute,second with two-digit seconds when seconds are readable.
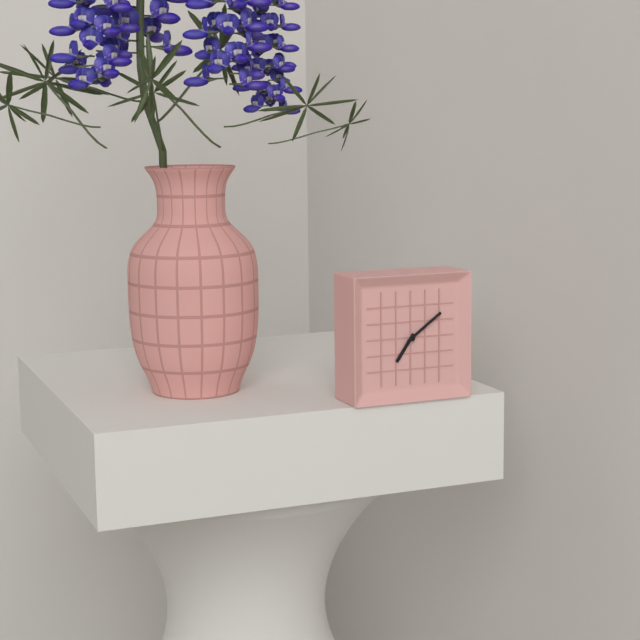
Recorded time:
7,09
